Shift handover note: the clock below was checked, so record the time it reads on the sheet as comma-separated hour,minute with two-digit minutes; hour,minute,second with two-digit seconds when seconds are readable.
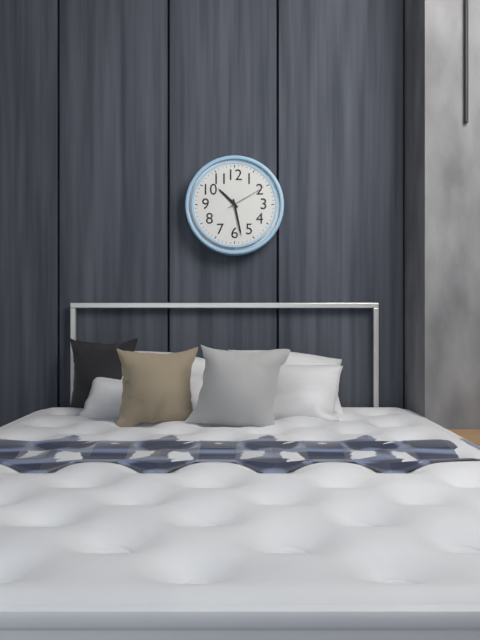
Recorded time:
10,28
